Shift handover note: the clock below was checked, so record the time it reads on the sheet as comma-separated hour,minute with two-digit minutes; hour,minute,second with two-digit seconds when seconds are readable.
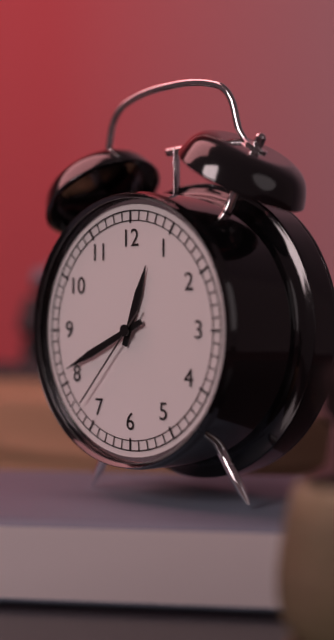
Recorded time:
12,41,37
